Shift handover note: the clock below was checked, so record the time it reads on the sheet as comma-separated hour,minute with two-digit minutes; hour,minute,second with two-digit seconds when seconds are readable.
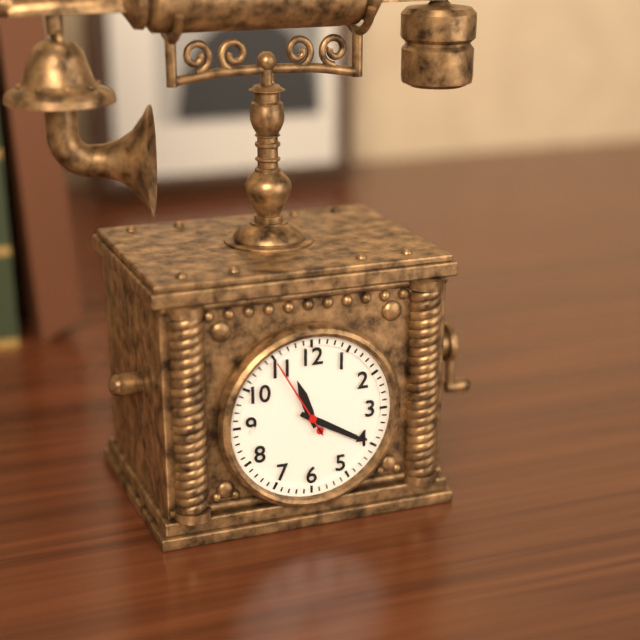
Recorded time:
11,20,55
